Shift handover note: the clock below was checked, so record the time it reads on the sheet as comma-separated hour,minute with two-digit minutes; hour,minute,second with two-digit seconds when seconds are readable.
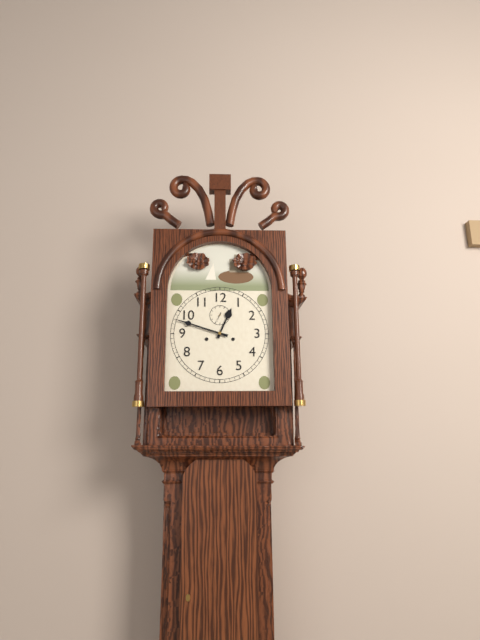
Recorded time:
12,48
